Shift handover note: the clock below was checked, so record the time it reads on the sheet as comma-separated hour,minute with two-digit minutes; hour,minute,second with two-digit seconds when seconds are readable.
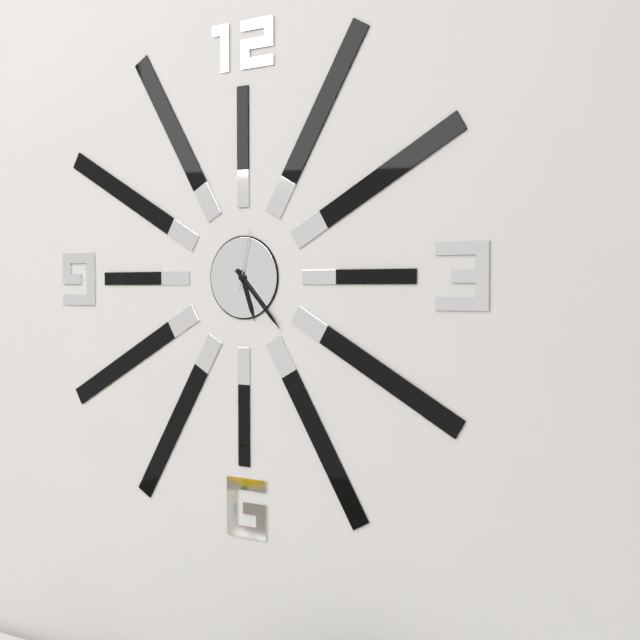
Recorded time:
5,23,02
